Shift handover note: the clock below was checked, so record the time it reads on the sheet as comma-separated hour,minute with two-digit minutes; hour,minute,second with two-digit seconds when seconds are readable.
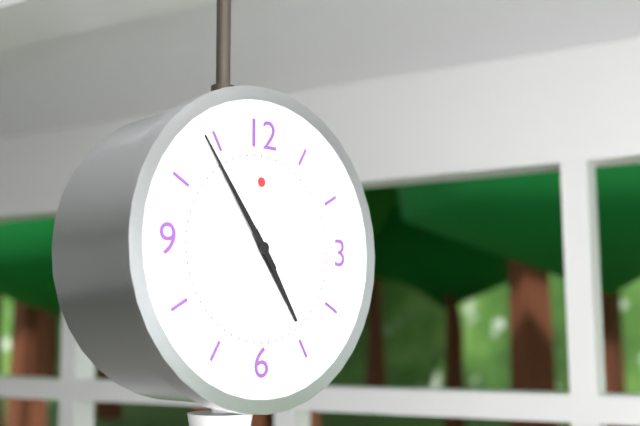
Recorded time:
4,54
